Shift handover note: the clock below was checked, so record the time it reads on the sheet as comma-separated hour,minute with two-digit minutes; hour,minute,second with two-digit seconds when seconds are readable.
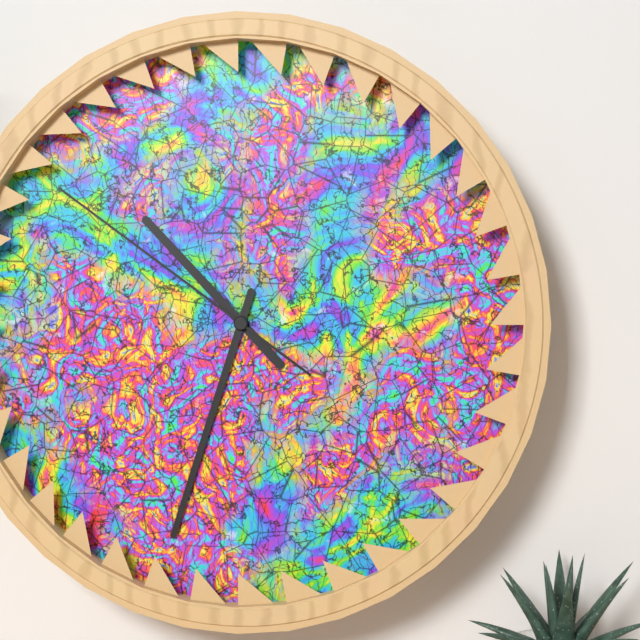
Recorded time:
10,33,51
